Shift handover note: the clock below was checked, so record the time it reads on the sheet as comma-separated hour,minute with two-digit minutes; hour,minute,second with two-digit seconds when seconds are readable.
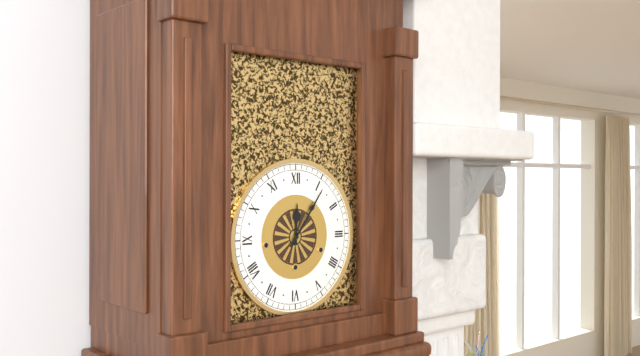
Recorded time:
12,06
